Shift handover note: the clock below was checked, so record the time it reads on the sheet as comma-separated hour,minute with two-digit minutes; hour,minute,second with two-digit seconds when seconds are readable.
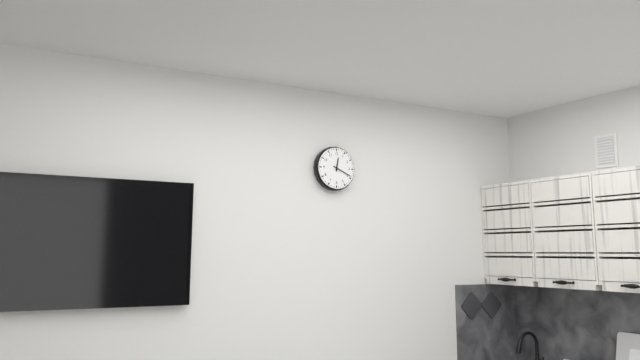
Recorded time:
12,19
